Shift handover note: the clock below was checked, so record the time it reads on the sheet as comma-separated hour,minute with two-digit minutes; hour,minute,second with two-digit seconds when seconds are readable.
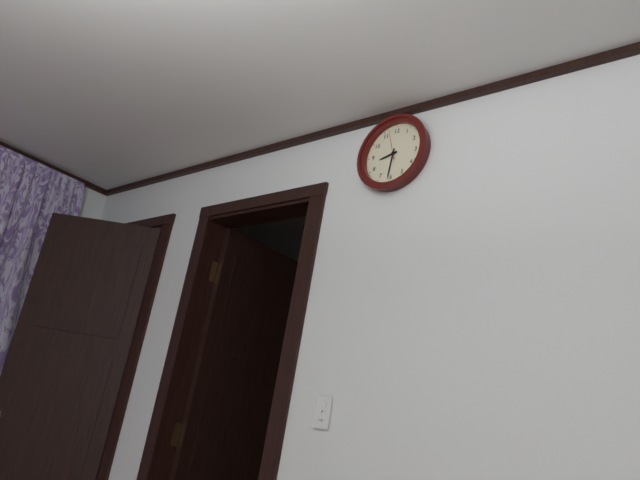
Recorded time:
8,31
